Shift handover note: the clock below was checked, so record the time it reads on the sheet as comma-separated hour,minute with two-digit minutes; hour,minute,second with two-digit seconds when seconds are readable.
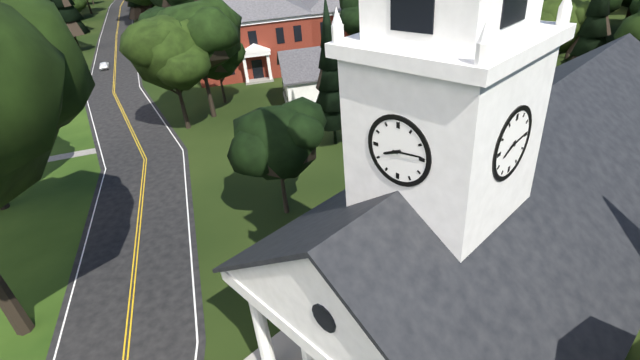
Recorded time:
8,14
